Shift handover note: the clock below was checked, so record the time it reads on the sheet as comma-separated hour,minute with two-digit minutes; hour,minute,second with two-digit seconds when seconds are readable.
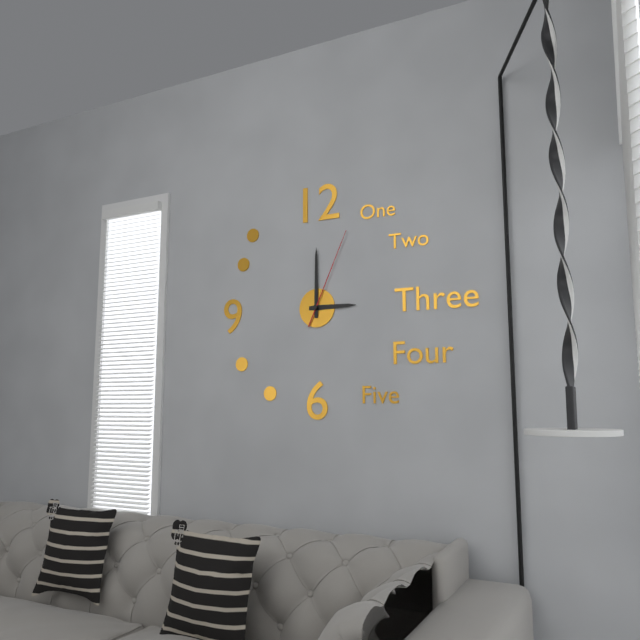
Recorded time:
3,00,04
